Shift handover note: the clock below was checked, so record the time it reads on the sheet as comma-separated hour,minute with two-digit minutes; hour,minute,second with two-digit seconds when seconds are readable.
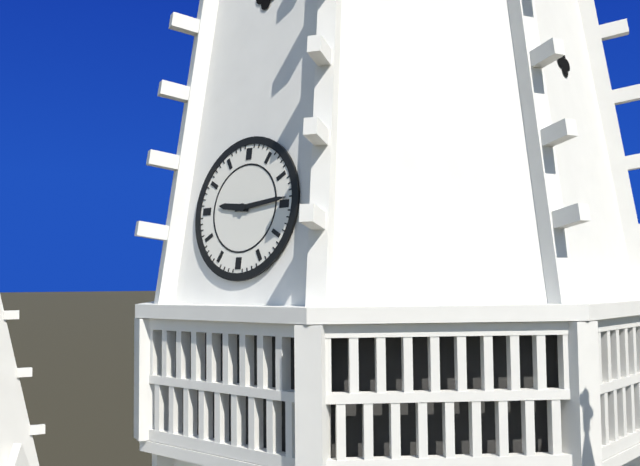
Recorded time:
9,14
